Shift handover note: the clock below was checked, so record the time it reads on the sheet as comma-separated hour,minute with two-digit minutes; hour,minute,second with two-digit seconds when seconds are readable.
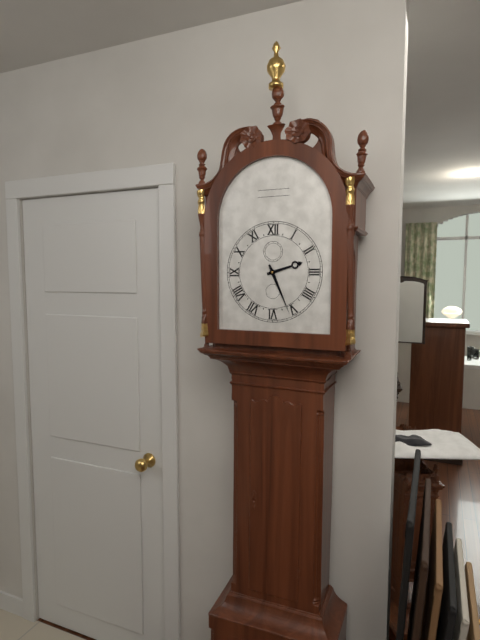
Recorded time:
2,26
